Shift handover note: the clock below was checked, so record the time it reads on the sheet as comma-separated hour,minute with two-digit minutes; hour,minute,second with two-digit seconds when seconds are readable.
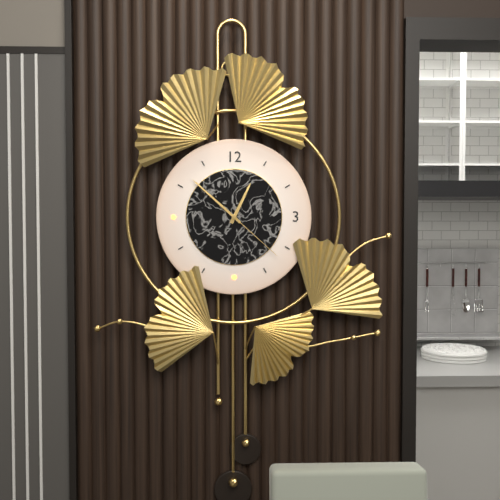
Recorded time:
12,52,22
